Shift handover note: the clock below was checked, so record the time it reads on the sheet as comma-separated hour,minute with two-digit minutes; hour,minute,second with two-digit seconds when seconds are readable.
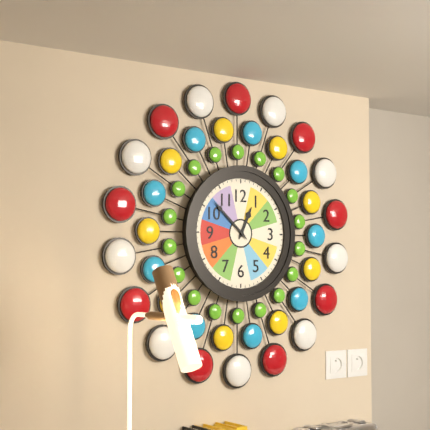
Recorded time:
12,52
